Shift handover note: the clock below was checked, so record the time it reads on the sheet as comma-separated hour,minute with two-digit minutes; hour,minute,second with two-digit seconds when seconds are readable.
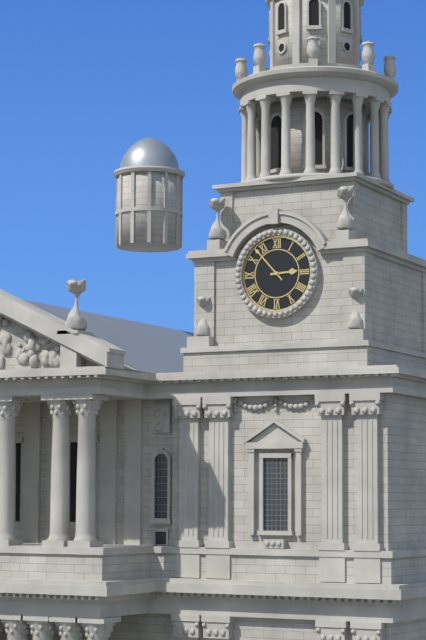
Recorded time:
2,53
